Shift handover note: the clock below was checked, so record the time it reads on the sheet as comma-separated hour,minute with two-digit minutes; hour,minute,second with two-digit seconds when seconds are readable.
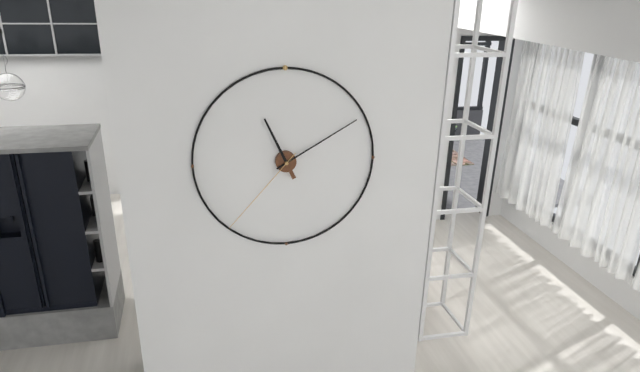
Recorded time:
11,10,37
